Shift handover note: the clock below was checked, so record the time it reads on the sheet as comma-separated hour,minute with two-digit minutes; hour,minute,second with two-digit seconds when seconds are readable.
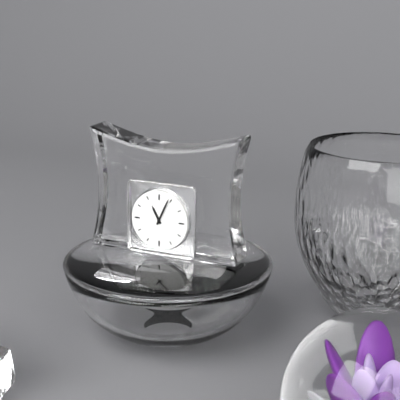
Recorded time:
11,04
